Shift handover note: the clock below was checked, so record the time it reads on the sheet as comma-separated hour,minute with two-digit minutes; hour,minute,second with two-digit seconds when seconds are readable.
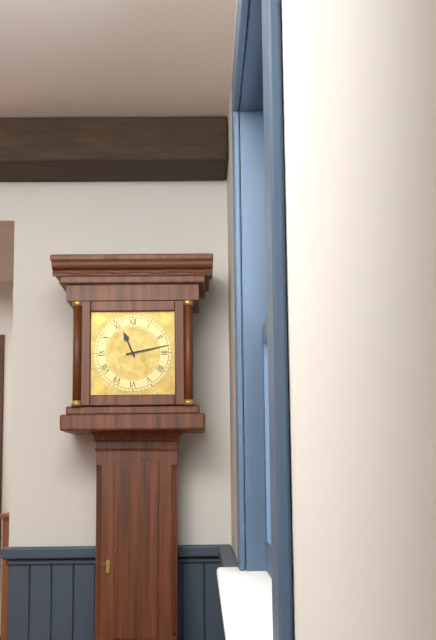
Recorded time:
11,13
